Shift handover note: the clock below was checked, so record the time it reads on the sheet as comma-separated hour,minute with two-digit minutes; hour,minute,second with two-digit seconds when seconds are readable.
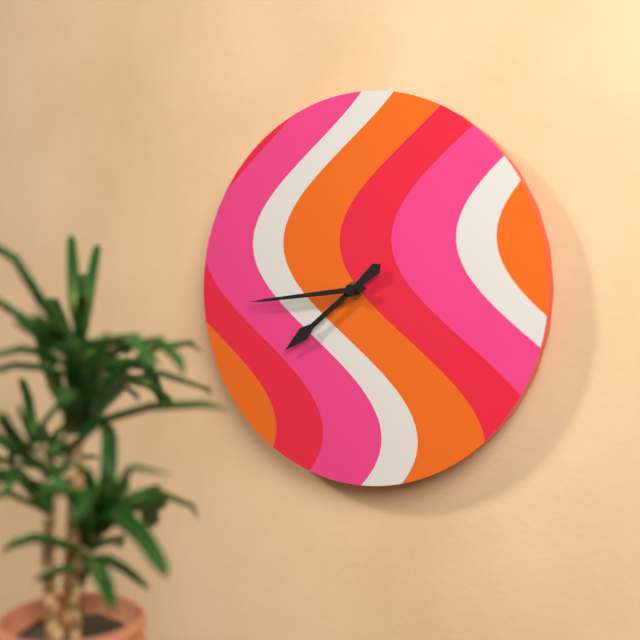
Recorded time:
7,44
